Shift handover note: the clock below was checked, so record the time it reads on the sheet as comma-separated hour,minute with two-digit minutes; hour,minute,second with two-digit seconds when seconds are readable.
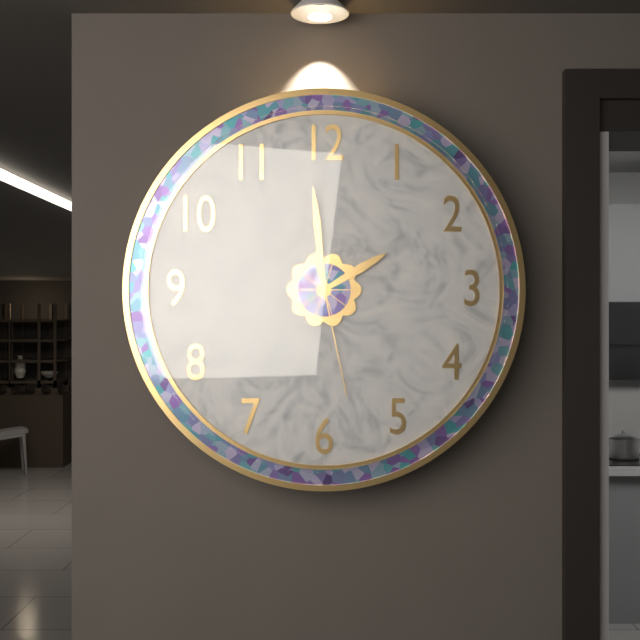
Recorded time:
1,59,28
